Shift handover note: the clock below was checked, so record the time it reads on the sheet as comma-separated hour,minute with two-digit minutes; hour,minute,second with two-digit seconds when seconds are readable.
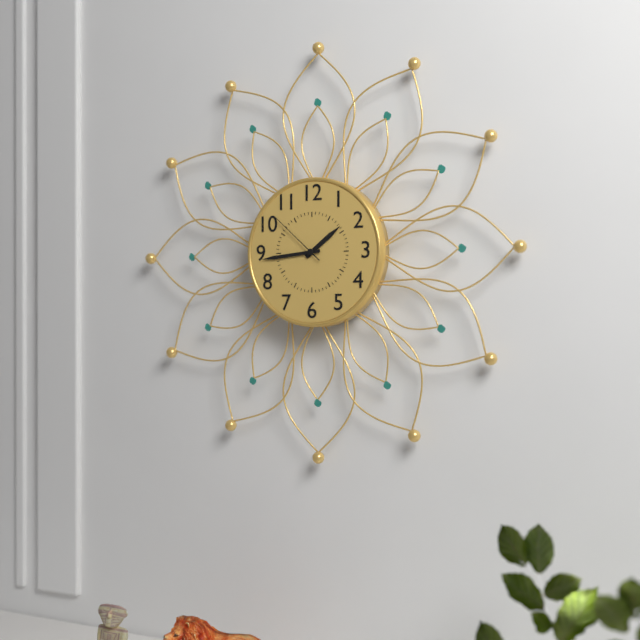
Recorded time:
1,44,52
